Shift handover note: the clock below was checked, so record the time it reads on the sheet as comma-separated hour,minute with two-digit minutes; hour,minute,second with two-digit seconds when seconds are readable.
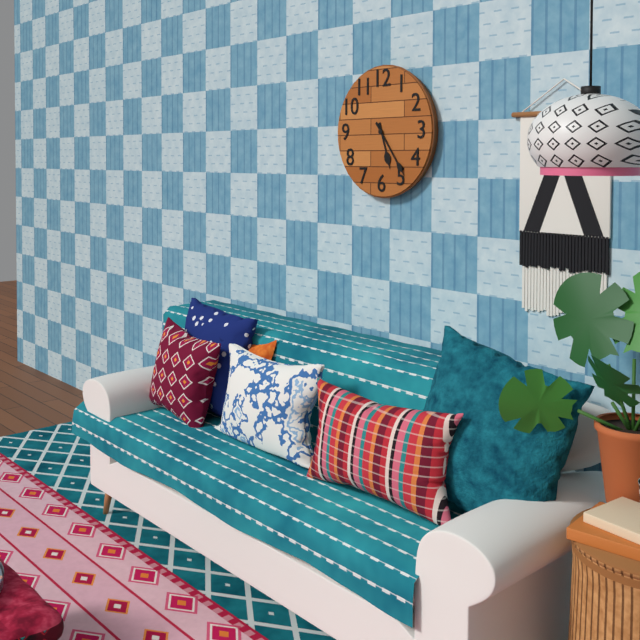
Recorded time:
5,24
